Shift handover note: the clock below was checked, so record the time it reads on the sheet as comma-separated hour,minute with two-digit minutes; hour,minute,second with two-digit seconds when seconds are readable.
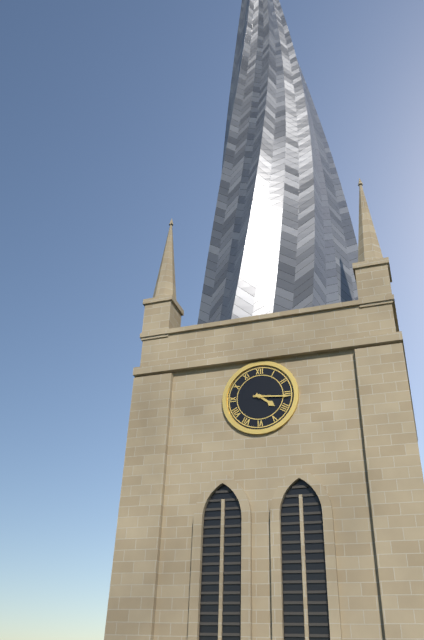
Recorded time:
4,16
